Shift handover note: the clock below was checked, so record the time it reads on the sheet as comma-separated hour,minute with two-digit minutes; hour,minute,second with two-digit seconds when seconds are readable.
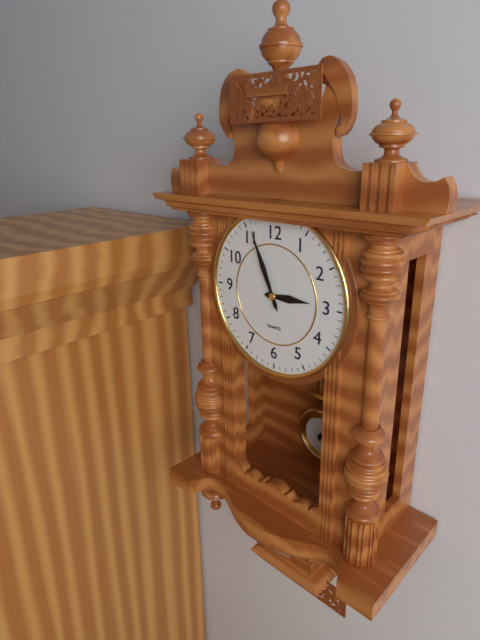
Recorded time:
2,56
